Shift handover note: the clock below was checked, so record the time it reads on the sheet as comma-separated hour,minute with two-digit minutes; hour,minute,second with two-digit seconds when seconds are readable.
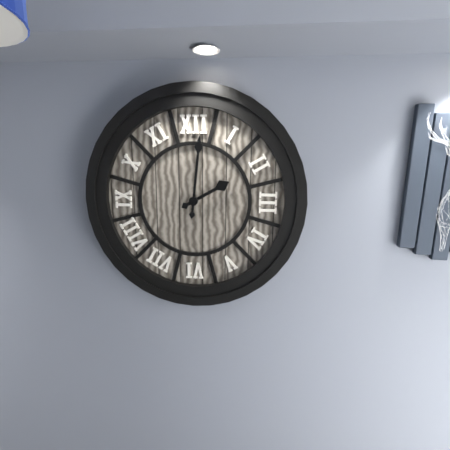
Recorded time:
2,01
